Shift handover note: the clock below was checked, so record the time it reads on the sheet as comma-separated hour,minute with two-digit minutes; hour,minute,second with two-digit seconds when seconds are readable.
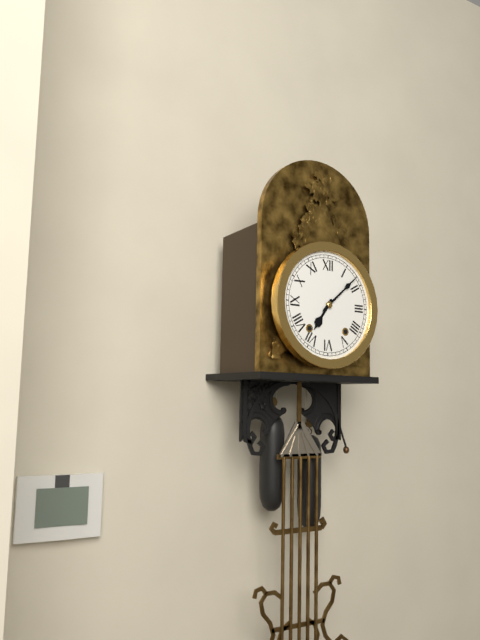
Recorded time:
7,08
